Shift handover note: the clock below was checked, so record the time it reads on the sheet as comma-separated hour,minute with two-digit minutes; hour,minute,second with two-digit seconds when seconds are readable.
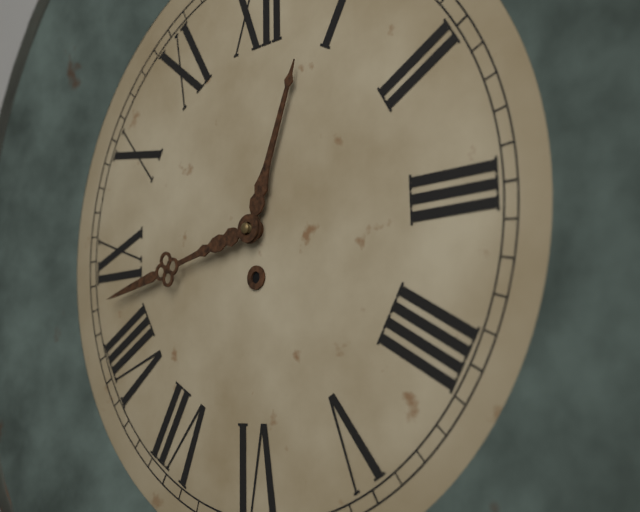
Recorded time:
12,43
